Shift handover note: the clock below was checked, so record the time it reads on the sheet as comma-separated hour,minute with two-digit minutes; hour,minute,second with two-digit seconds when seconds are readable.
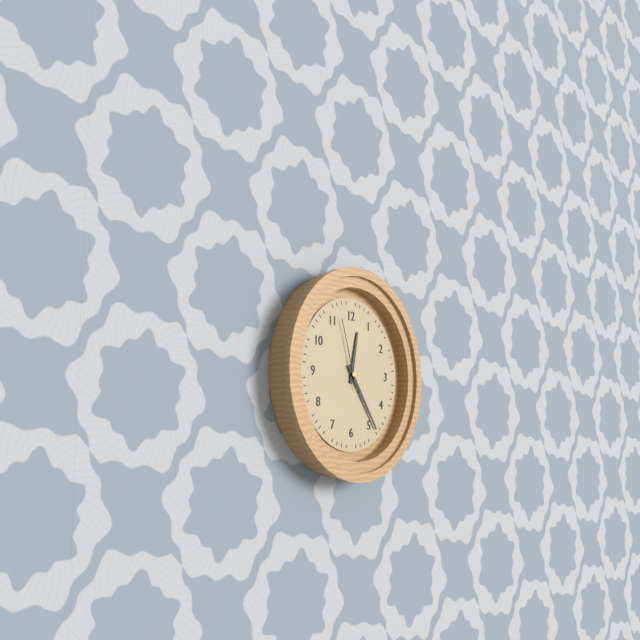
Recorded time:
12,24,57
